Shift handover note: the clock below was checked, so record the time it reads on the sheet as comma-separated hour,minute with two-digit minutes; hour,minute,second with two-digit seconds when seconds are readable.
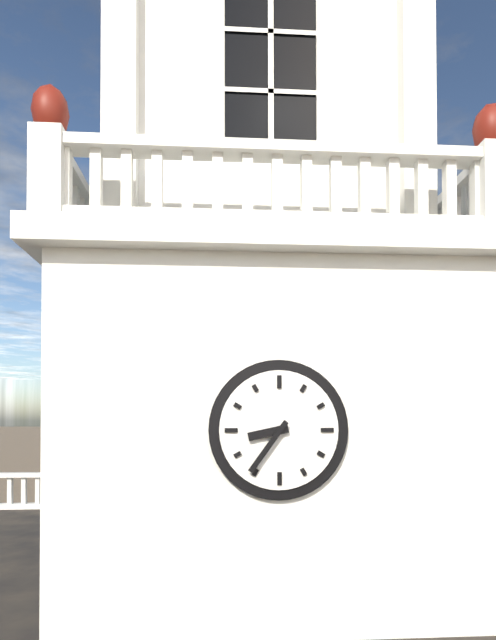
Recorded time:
8,36
